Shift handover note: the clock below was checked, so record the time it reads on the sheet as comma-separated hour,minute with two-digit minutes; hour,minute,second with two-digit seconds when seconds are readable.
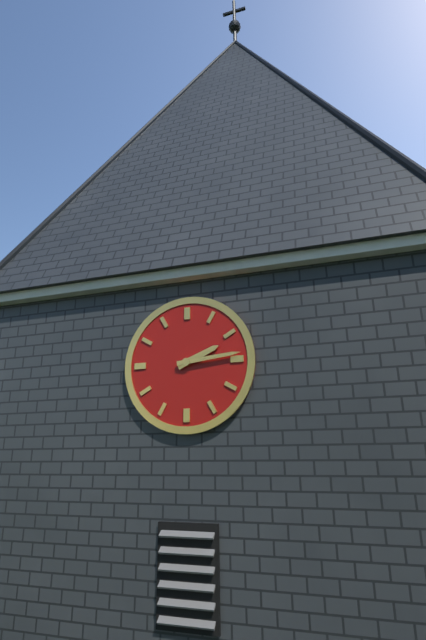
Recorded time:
2,14
